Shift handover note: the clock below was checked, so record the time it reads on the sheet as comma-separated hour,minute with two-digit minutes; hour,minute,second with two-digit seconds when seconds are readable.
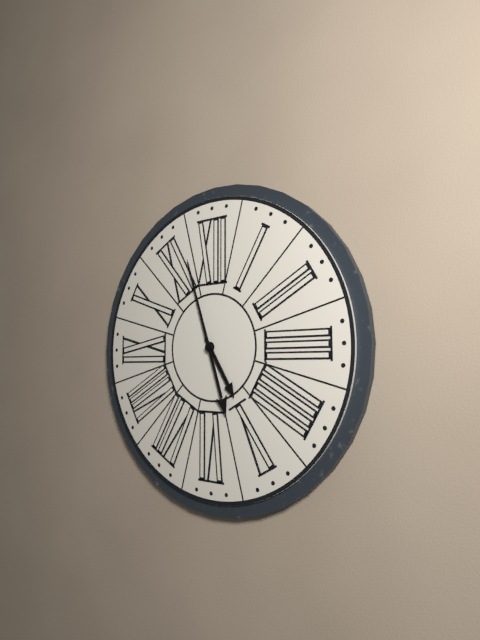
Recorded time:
4,57
